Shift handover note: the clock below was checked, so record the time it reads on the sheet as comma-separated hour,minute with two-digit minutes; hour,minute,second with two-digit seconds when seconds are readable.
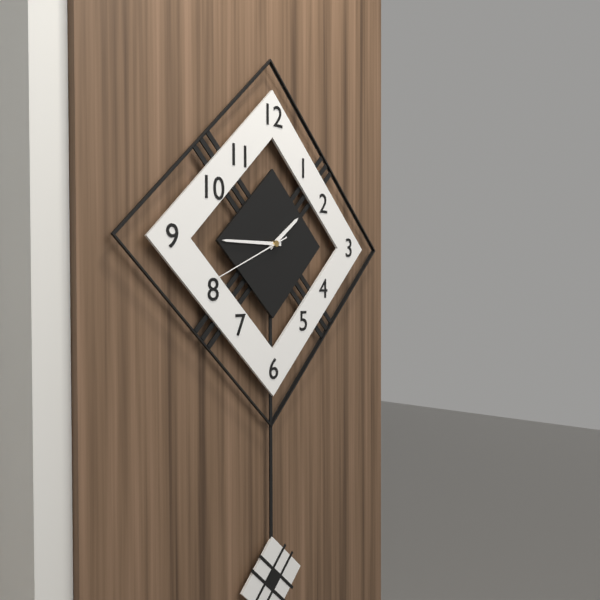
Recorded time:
1,45,41
